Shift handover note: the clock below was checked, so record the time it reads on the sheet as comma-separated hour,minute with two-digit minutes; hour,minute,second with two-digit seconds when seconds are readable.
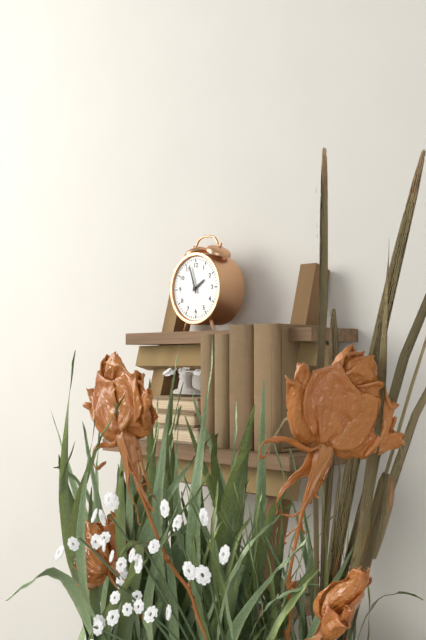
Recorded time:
1,57
